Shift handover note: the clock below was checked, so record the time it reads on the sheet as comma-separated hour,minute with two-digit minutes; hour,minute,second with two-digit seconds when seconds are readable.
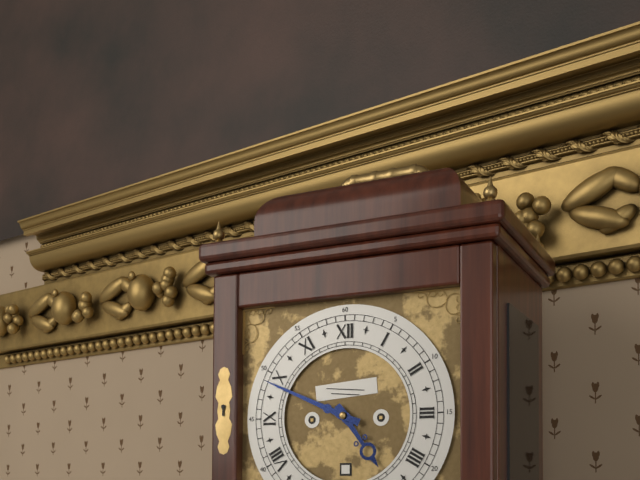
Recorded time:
4,49
